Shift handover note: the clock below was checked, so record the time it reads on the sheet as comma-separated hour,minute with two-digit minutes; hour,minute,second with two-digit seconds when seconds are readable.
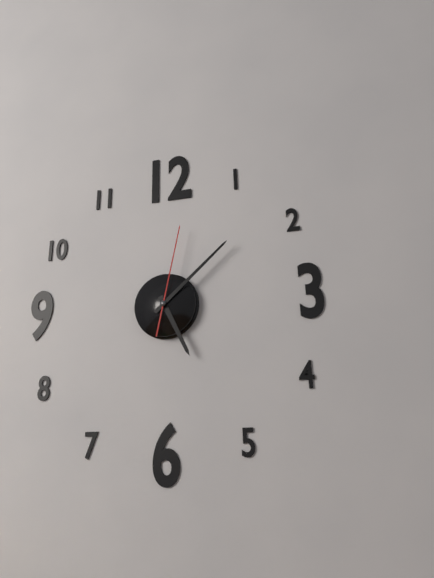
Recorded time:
5,08,02
